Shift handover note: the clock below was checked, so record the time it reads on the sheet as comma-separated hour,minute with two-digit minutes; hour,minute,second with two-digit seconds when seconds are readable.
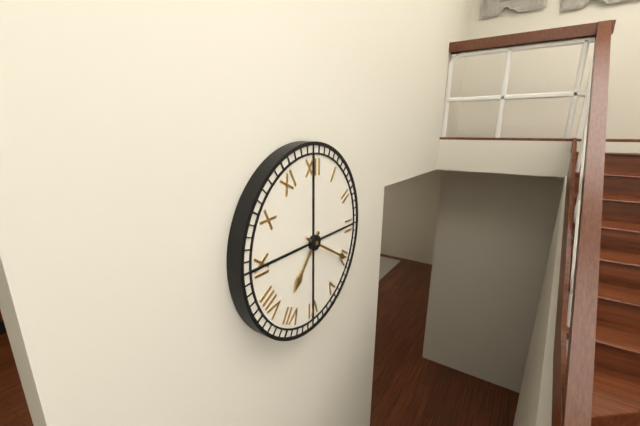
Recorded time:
7,20
